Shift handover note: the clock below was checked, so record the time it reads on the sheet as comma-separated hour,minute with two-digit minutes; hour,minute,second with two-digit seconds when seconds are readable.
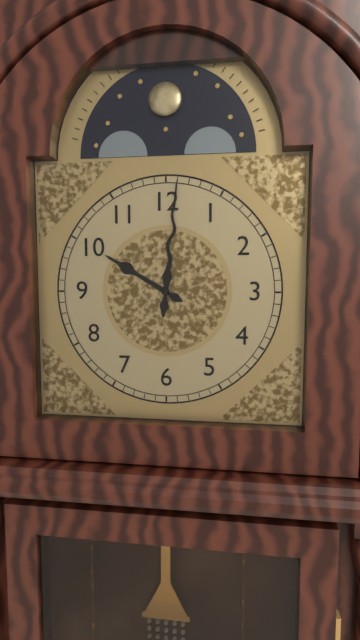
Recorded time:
10,01
